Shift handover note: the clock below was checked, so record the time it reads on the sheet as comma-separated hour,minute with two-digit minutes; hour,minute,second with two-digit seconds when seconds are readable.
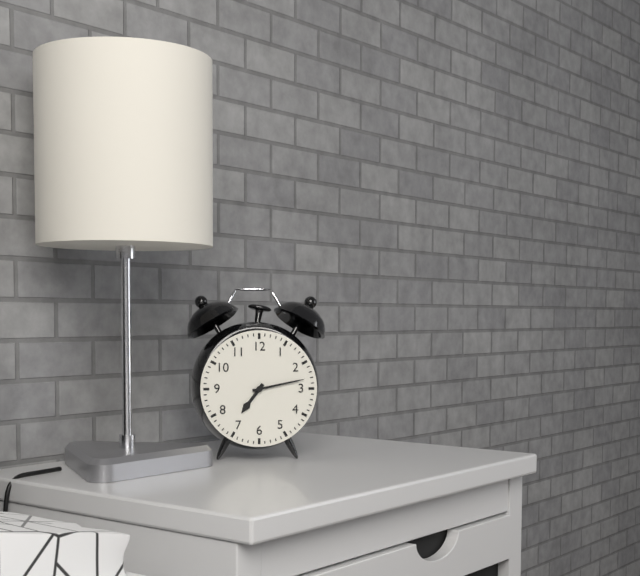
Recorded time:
7,13
